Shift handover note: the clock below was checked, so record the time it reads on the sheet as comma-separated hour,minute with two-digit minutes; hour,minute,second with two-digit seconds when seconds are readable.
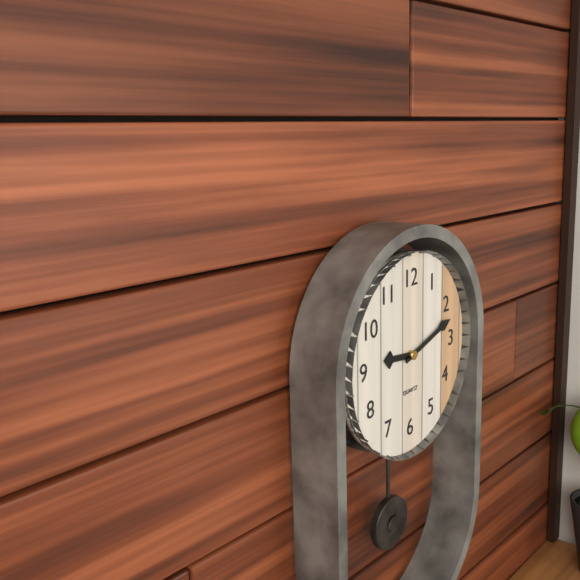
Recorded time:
9,12
